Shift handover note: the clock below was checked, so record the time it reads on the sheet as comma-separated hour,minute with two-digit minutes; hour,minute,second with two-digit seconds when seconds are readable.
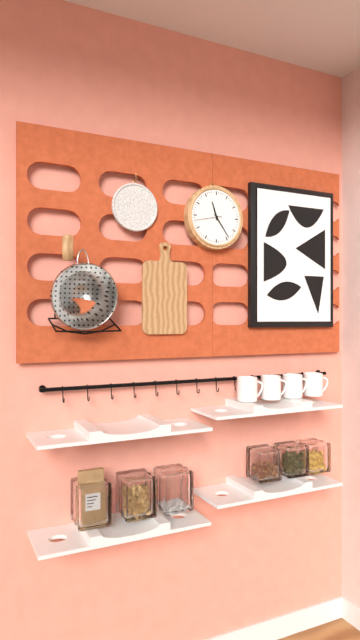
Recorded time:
11,24
